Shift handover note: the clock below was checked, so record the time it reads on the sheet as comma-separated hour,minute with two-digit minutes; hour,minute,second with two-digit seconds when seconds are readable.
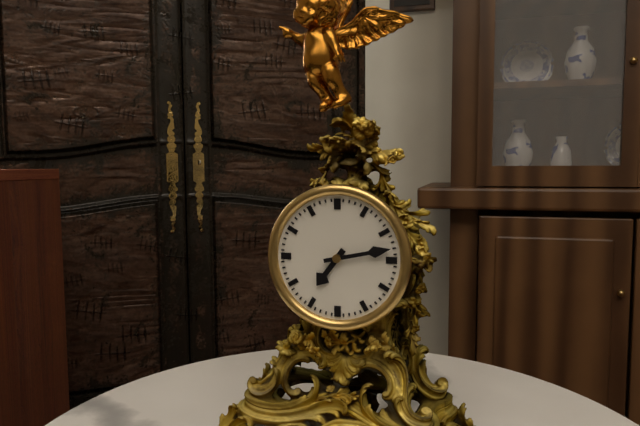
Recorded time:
7,13
